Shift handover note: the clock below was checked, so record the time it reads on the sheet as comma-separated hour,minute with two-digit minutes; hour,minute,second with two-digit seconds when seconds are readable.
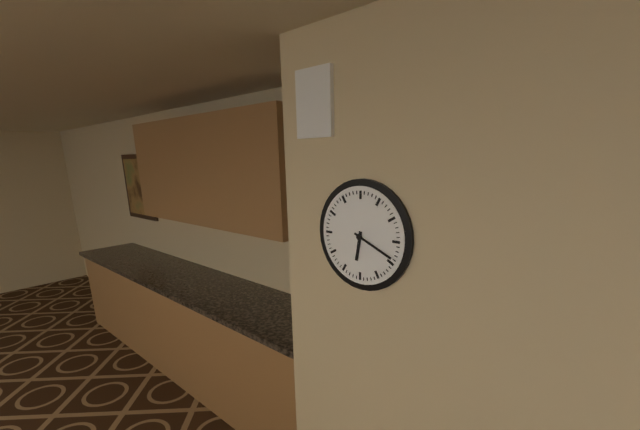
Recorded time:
6,19
